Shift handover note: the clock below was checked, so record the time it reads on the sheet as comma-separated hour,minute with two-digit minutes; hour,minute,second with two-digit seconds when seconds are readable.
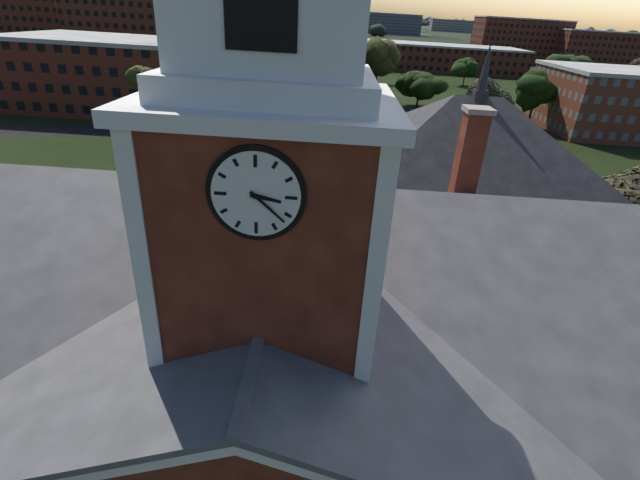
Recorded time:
3,22
